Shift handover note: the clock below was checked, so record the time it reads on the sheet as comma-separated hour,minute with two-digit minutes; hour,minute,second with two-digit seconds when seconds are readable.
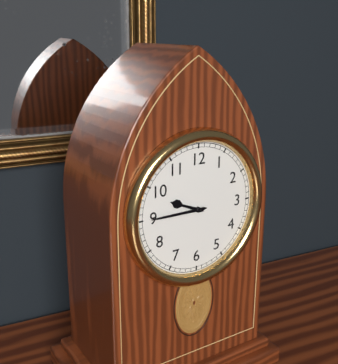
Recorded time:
9,45
